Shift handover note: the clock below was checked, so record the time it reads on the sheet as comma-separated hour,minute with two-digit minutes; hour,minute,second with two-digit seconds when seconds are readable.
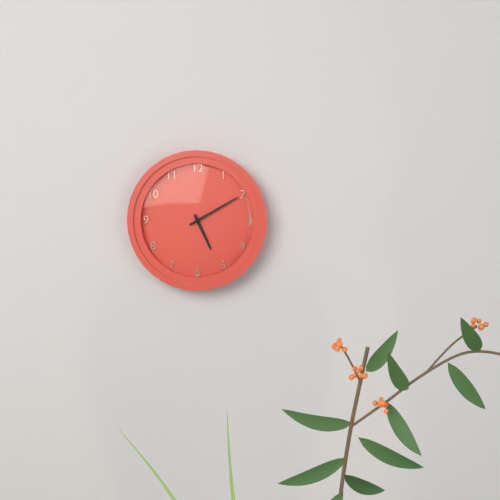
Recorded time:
5,10
